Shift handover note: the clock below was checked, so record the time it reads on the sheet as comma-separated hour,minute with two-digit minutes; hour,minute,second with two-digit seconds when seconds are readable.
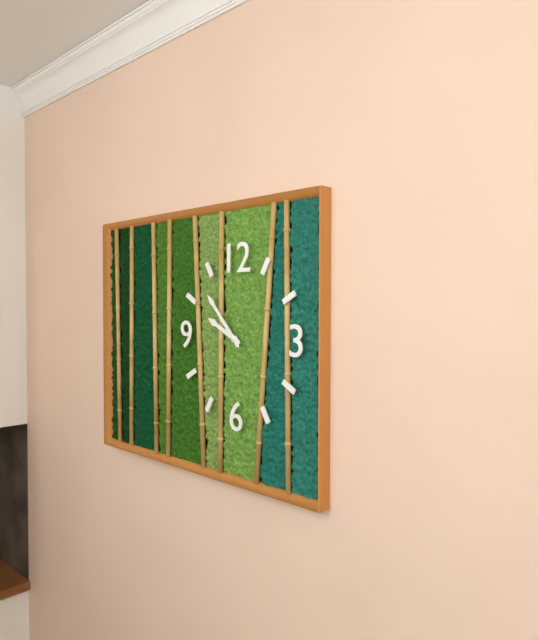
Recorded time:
9,53
